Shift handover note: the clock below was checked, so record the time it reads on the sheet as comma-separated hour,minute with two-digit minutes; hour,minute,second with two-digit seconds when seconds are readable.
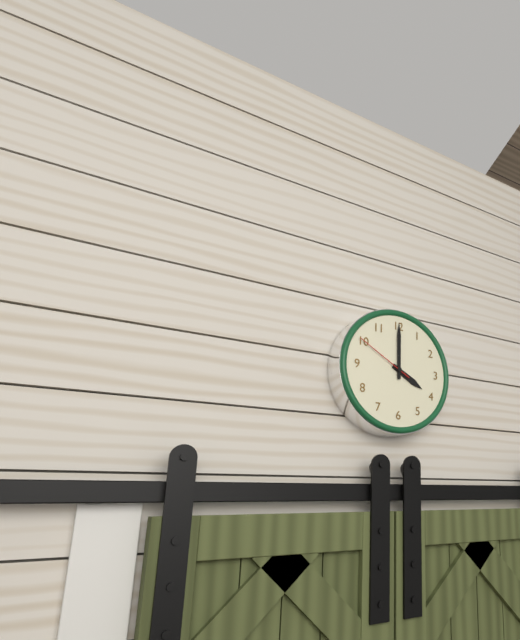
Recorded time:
4,00,50
